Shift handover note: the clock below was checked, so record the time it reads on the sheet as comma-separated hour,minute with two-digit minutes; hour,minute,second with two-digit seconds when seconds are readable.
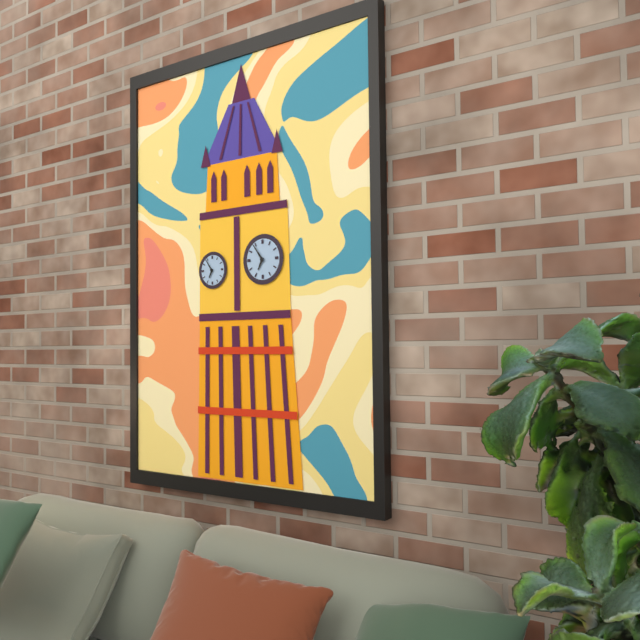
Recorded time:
6,54
